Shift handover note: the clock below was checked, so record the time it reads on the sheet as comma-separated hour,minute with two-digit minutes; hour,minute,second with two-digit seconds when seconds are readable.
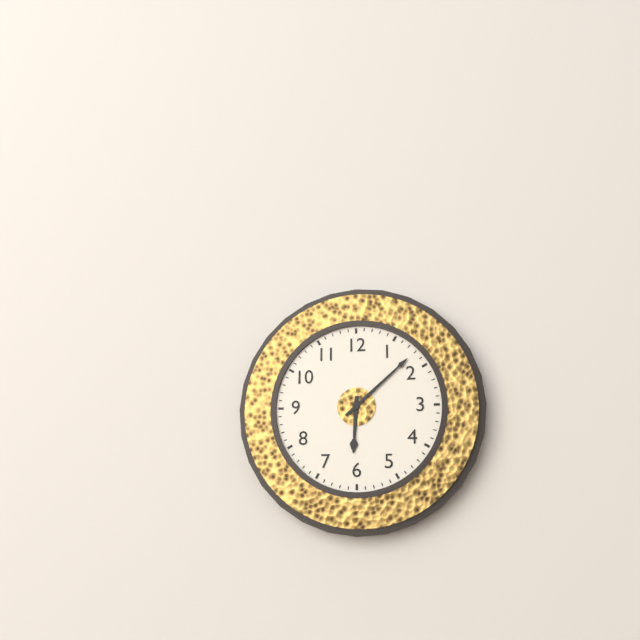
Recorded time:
6,08
